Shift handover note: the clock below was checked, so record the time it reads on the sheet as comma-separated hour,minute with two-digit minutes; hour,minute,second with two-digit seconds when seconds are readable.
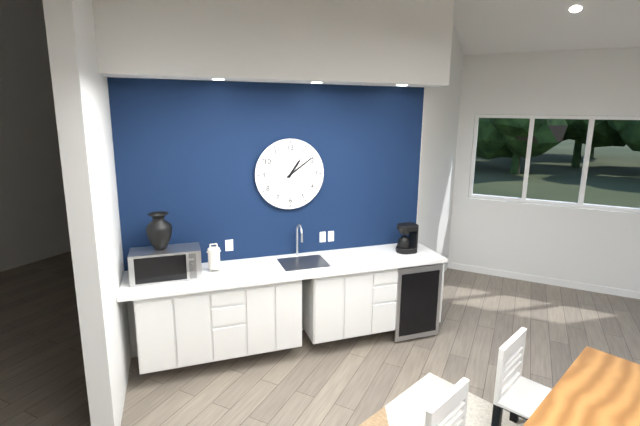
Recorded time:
1,09
